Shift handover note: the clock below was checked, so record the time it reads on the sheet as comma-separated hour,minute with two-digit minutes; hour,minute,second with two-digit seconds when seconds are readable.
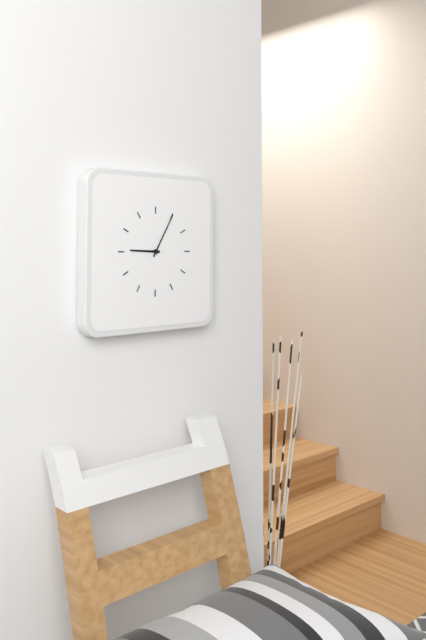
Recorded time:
9,05
